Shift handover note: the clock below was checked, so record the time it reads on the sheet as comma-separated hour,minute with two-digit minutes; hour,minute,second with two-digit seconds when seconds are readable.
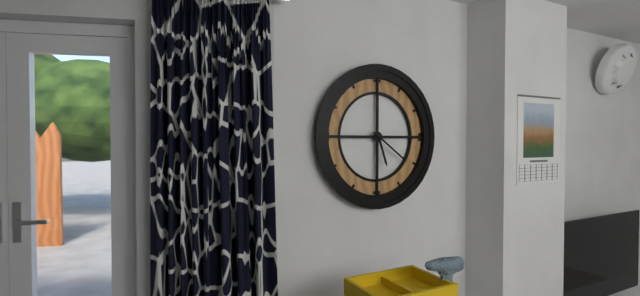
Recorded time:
5,21
